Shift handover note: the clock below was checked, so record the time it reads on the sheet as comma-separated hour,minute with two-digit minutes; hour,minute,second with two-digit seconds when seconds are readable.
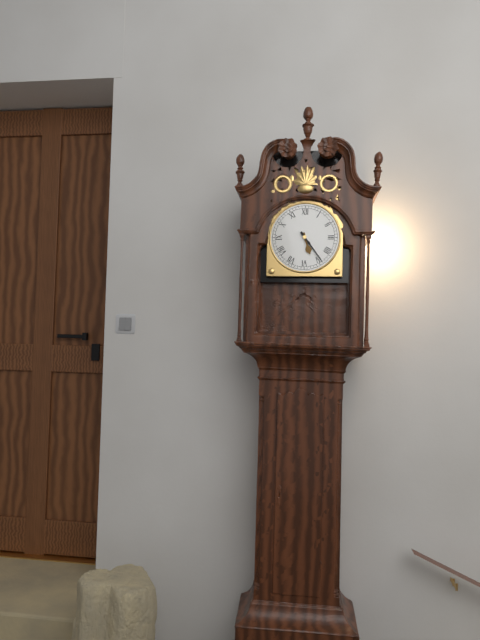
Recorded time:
5,24
